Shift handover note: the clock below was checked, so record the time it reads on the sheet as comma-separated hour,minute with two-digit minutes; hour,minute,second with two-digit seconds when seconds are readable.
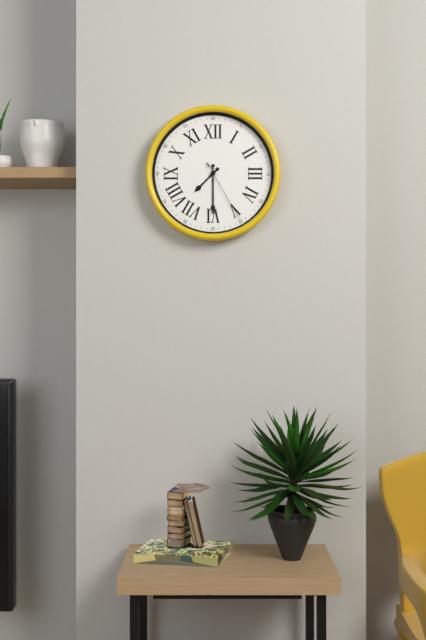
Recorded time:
7,30,25
